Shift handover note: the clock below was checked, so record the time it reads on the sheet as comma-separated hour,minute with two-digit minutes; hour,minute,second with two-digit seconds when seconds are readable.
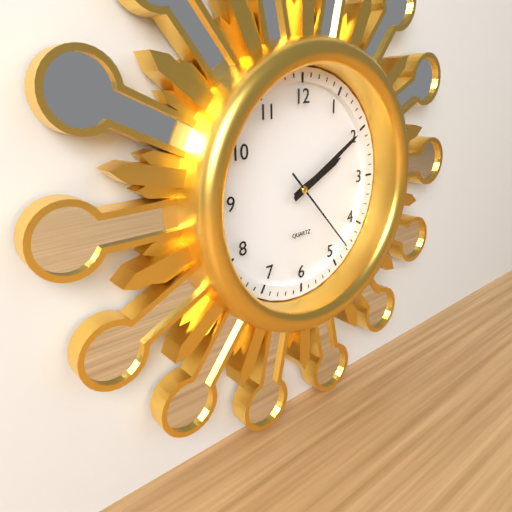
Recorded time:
2,10,23
